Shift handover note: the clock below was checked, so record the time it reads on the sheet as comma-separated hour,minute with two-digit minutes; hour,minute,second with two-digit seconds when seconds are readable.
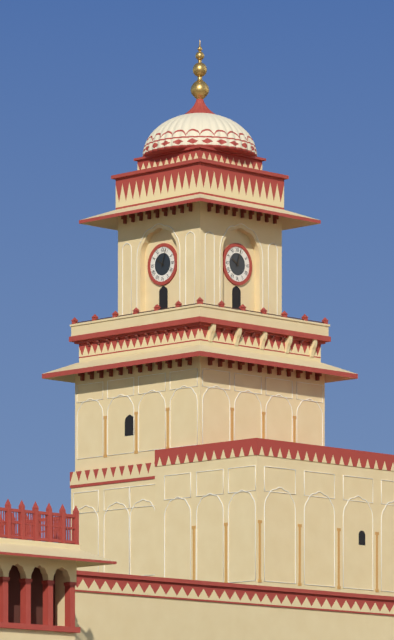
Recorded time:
10,03
